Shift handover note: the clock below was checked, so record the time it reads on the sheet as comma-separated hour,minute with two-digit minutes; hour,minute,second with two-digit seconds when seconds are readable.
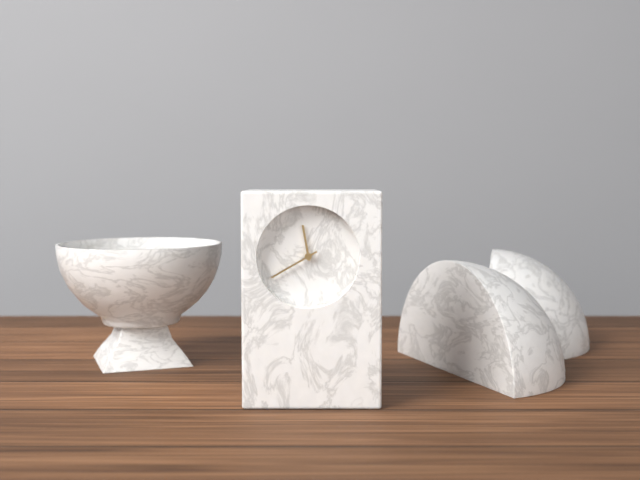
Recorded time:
11,40
